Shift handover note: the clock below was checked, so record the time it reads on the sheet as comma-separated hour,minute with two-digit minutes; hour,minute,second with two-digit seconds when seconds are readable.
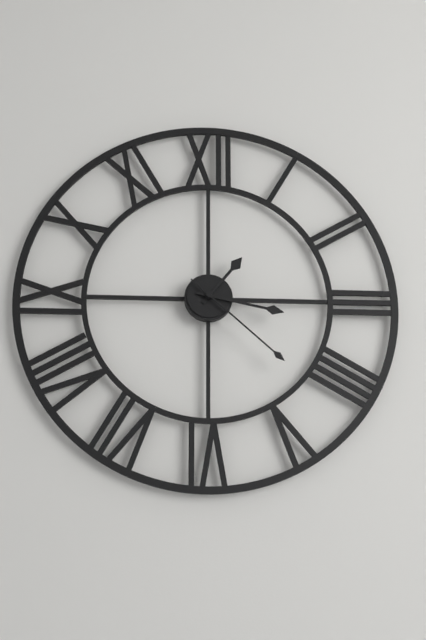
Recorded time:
1,17,22
